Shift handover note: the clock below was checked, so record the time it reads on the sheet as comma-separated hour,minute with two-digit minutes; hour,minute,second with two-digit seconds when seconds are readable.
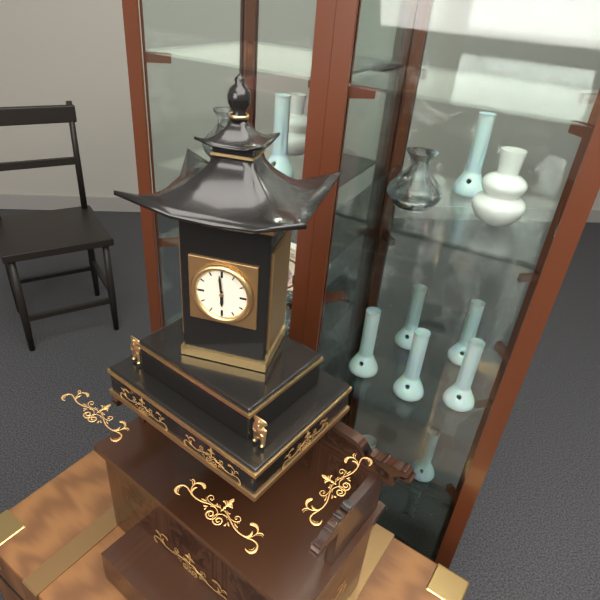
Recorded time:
5,59
